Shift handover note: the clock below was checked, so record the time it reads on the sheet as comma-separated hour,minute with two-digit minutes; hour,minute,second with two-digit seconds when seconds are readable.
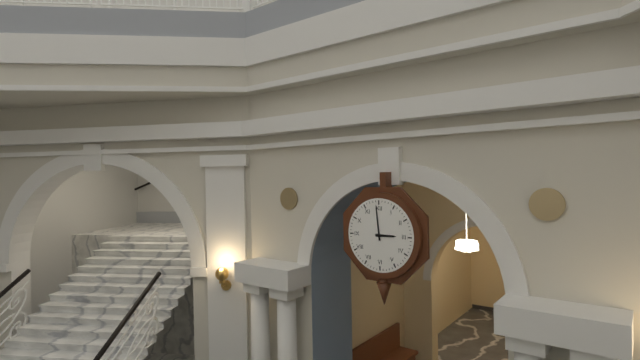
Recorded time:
2,59
